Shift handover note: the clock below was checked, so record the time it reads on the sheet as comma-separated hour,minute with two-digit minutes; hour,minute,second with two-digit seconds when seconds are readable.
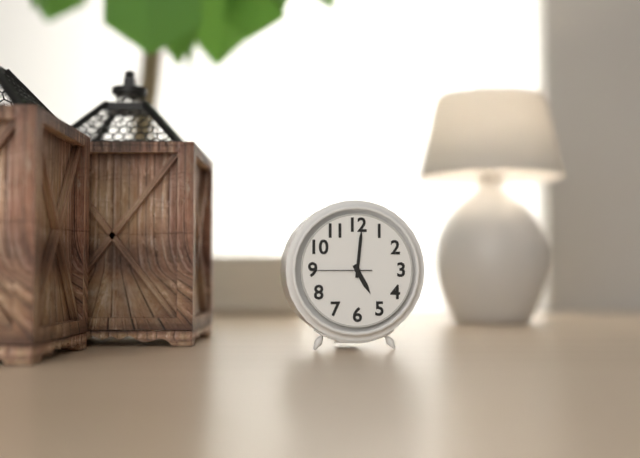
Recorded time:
5,01,45
